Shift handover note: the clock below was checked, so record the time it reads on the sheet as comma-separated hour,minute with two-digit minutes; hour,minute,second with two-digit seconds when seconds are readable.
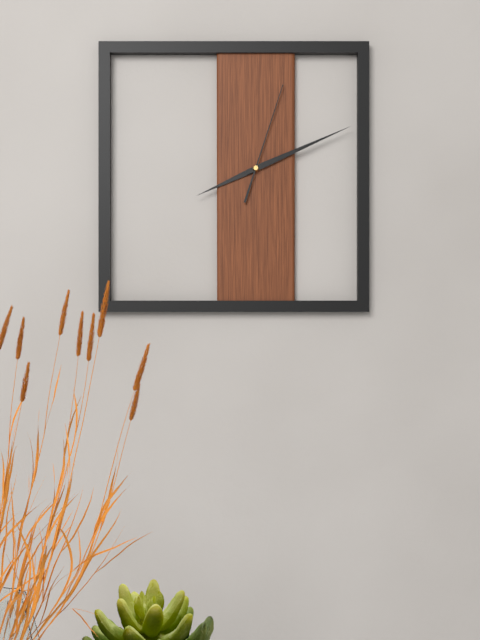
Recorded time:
8,11,03
